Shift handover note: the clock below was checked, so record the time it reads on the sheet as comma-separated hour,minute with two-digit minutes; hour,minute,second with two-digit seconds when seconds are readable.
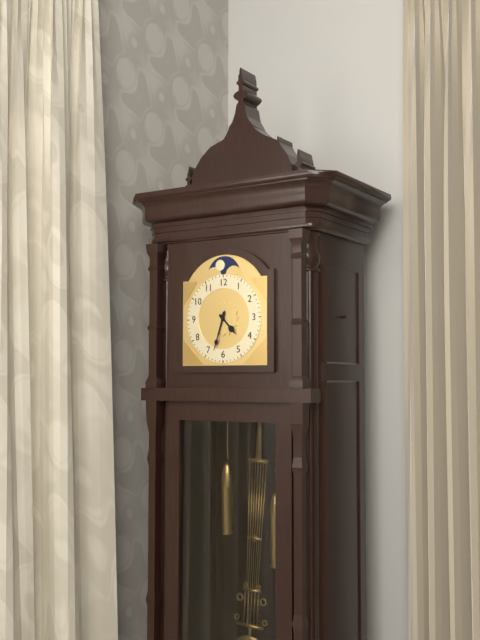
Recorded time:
4,33
